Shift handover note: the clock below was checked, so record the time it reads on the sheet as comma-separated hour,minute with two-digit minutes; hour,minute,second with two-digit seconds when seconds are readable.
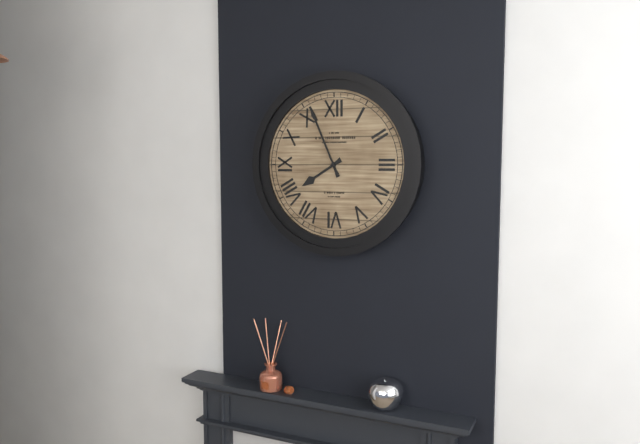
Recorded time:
7,56
